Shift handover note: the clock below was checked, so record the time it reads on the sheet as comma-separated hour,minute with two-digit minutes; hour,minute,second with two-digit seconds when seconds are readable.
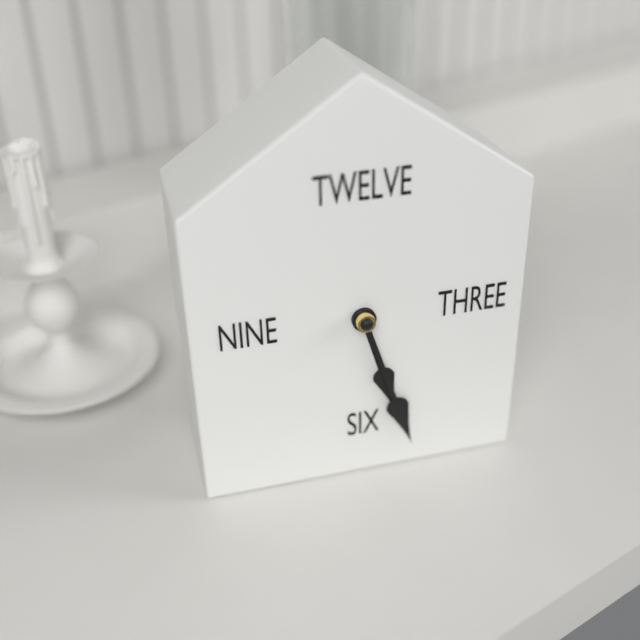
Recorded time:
5,27
